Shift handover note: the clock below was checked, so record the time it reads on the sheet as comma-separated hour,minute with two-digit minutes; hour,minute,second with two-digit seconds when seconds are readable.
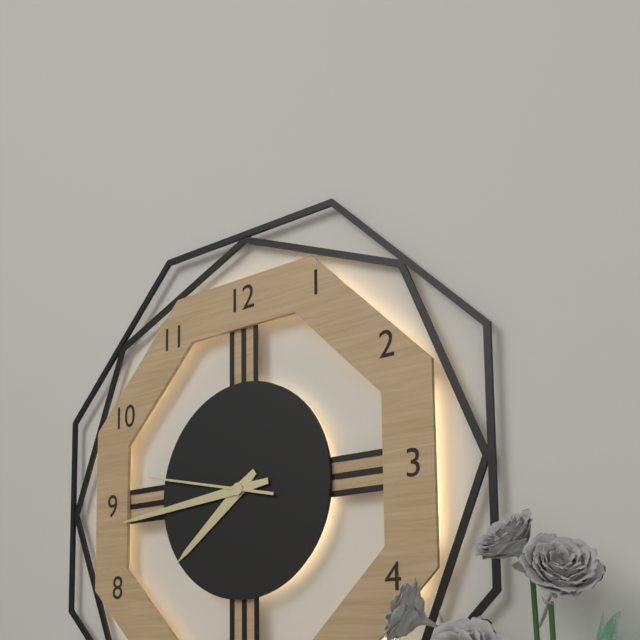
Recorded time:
7,44,47
